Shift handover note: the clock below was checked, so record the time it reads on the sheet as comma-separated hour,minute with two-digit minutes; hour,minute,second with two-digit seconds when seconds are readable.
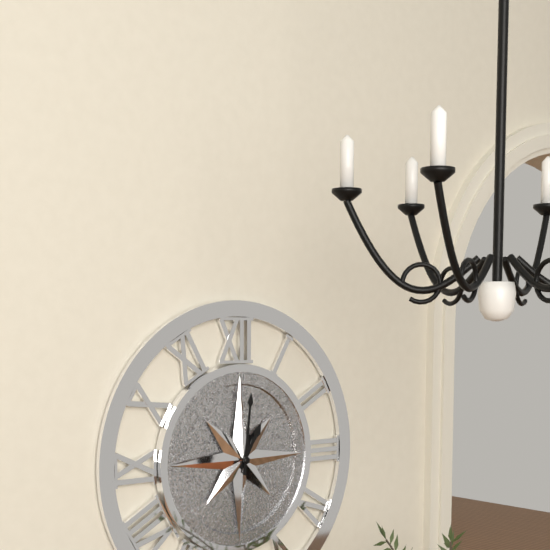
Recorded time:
1,01
